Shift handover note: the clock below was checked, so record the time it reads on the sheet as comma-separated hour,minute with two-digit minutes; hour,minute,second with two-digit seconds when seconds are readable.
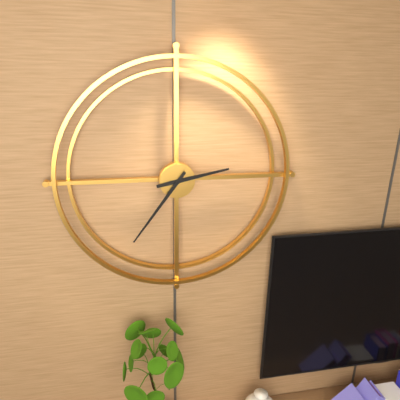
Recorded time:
2,36
